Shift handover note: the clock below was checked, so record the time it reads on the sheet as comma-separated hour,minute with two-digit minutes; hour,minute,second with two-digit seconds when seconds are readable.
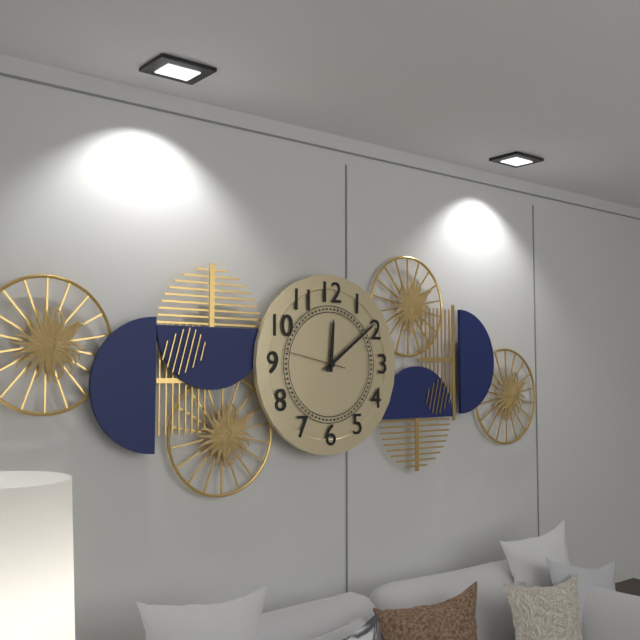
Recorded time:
12,09,47
